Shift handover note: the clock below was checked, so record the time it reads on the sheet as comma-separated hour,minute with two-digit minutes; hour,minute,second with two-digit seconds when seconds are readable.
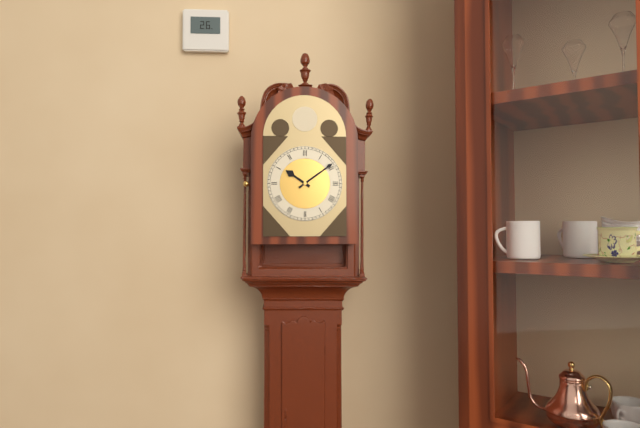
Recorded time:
10,09
